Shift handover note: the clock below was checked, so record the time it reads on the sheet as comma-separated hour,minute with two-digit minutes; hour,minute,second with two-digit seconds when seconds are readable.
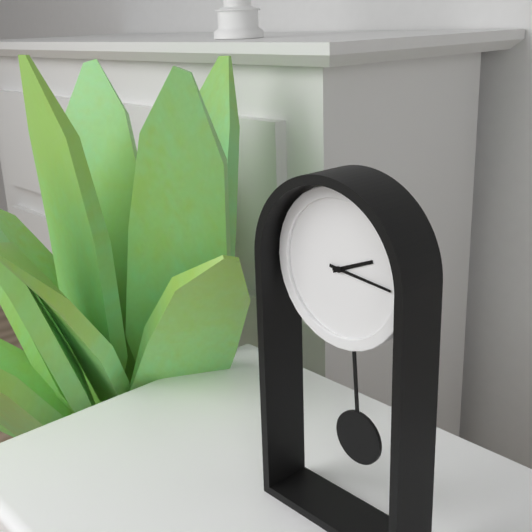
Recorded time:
2,16
